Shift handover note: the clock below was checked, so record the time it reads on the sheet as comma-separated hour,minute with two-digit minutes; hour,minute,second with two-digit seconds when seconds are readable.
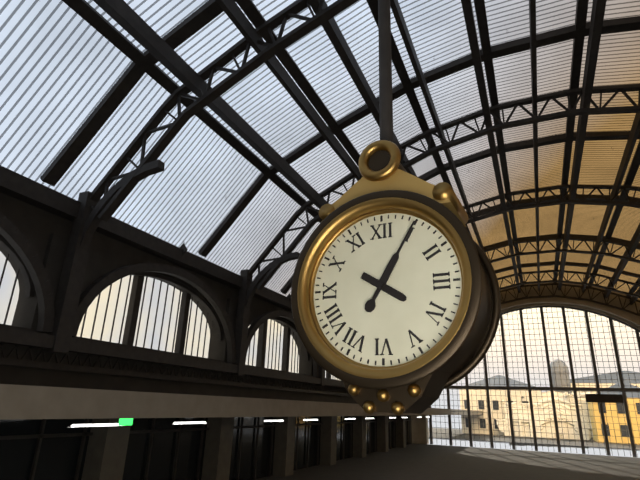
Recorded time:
4,05
